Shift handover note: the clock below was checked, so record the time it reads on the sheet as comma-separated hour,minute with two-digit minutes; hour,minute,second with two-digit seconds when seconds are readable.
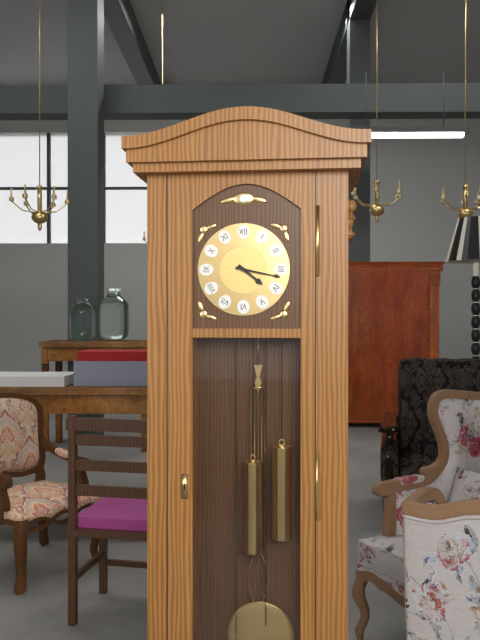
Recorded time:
4,17
